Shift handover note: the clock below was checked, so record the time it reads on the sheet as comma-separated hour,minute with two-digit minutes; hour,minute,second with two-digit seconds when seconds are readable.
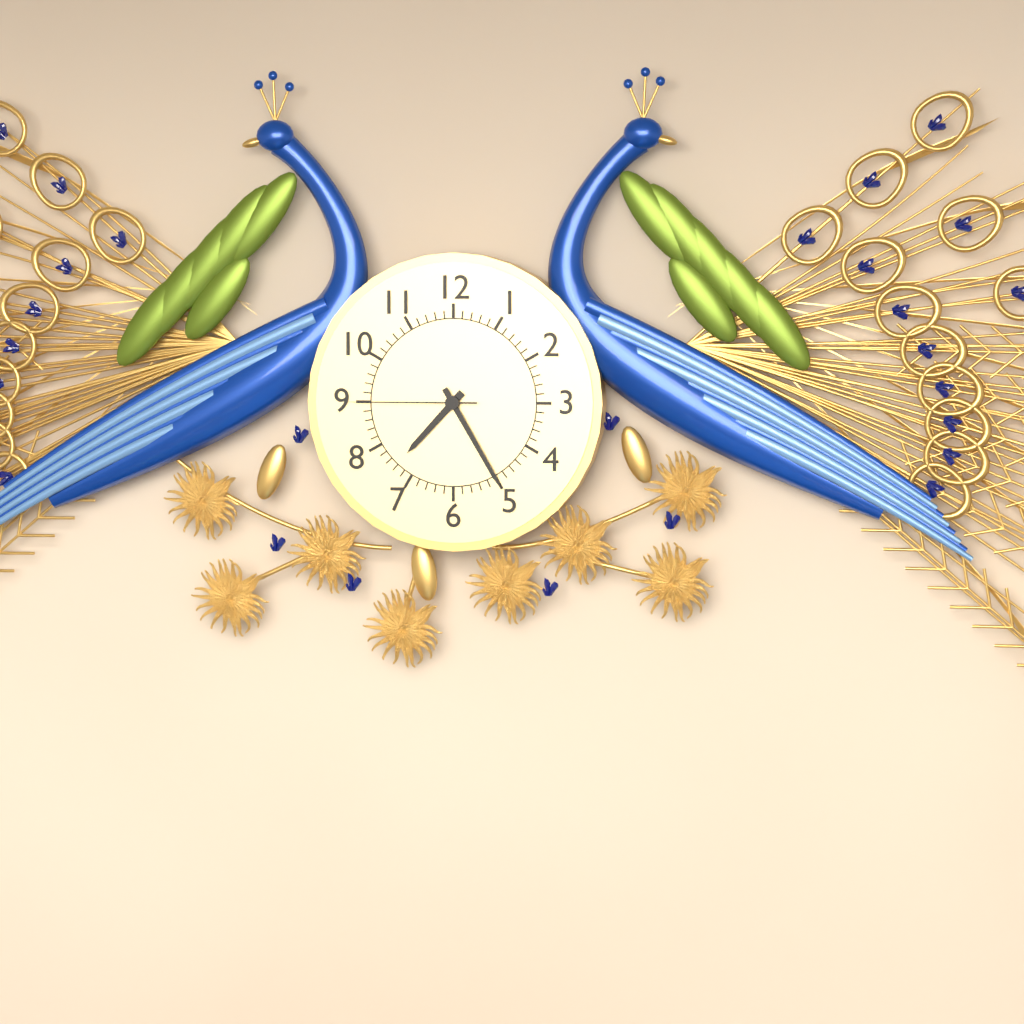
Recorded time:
7,25,45
